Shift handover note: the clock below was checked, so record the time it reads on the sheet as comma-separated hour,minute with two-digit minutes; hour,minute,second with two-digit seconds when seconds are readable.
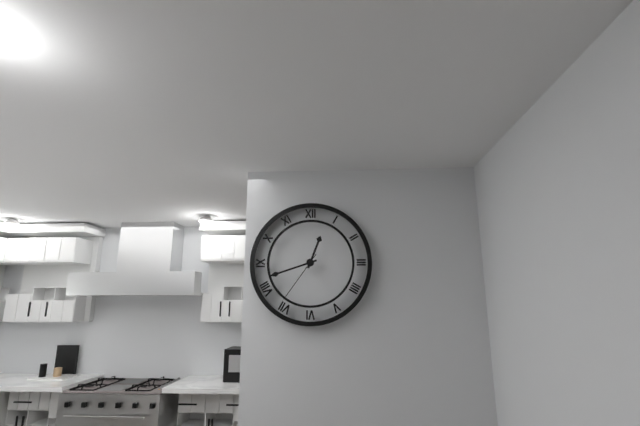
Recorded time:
12,42,36
